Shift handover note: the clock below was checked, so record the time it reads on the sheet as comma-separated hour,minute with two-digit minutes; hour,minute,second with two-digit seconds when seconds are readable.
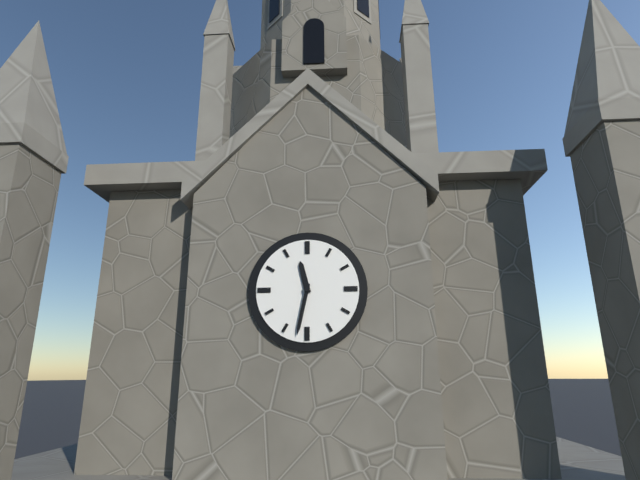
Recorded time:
11,32
